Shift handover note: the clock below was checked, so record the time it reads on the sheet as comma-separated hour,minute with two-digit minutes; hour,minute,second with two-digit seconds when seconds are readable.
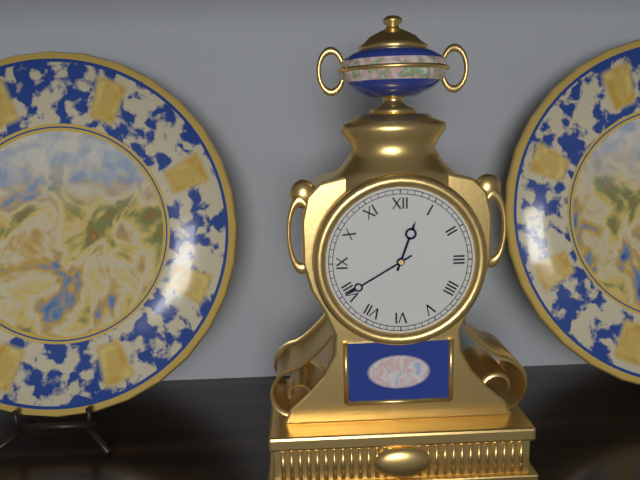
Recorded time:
12,40
